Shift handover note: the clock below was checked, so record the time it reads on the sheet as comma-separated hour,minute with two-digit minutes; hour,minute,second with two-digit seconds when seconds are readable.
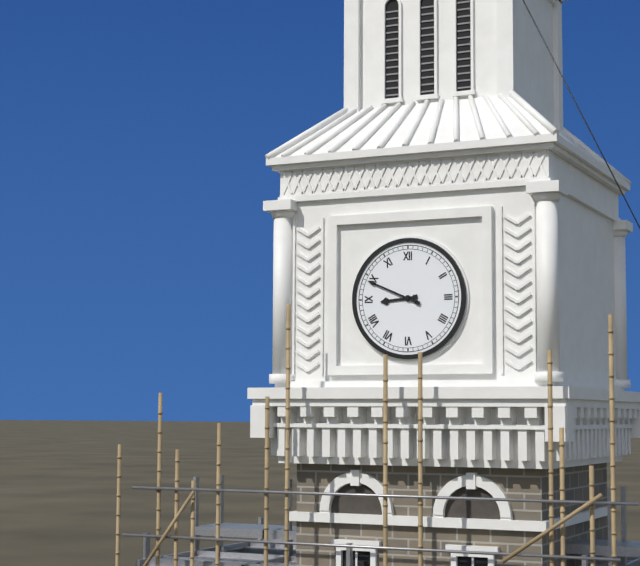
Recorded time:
8,49
